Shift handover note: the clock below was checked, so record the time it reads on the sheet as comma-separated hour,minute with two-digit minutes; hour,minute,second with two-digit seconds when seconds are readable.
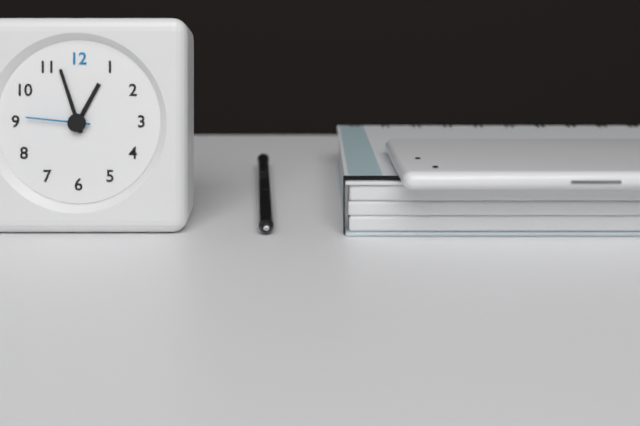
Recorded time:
12,57,46
